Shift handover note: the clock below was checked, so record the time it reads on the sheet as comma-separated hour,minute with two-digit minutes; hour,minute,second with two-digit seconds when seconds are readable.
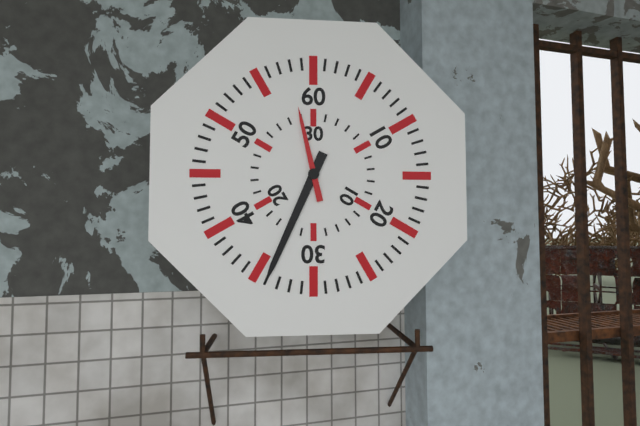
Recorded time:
11,34
